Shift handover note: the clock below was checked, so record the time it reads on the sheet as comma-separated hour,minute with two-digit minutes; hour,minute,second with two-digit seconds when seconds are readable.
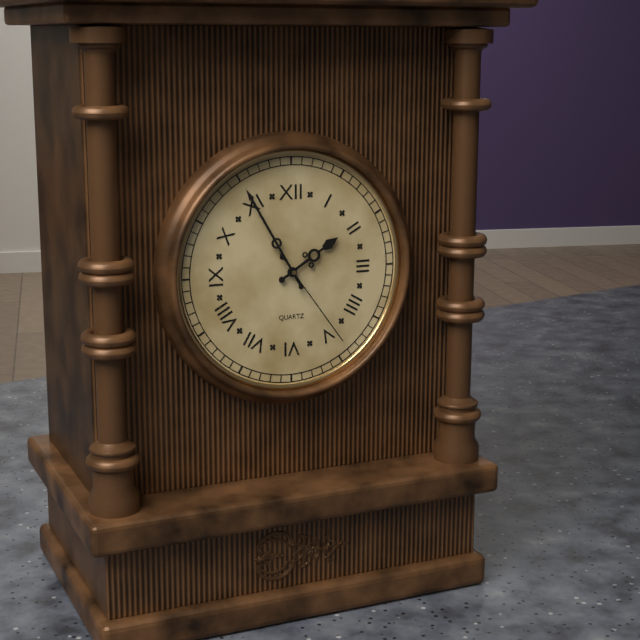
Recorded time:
1,55,24
